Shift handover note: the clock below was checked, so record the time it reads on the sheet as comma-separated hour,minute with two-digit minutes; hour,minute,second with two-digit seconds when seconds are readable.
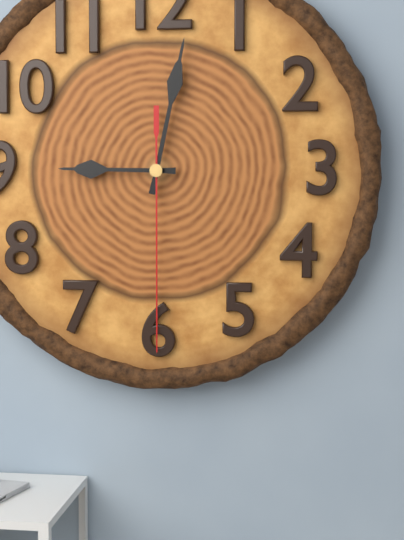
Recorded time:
9,02,30
